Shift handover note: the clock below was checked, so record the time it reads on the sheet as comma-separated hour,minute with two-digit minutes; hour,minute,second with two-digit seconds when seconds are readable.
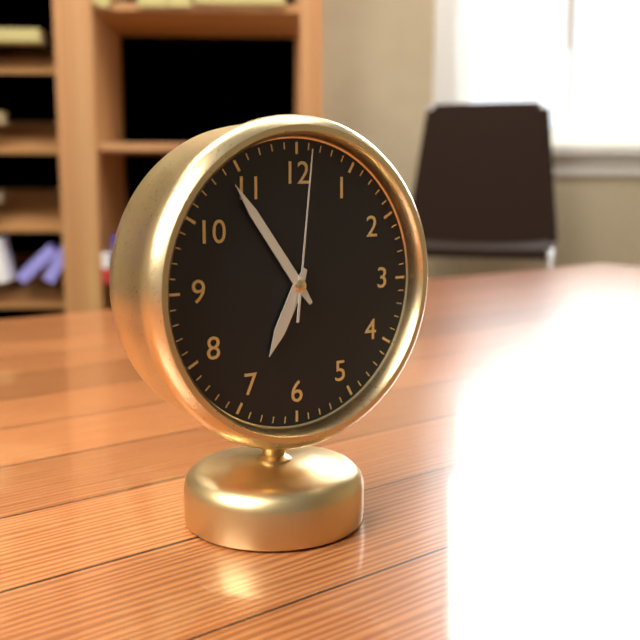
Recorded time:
6,54,01
